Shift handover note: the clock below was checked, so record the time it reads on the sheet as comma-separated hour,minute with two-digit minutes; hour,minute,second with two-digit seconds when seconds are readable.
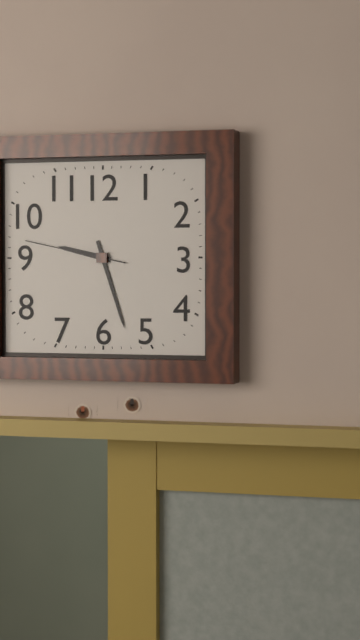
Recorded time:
9,27,47
